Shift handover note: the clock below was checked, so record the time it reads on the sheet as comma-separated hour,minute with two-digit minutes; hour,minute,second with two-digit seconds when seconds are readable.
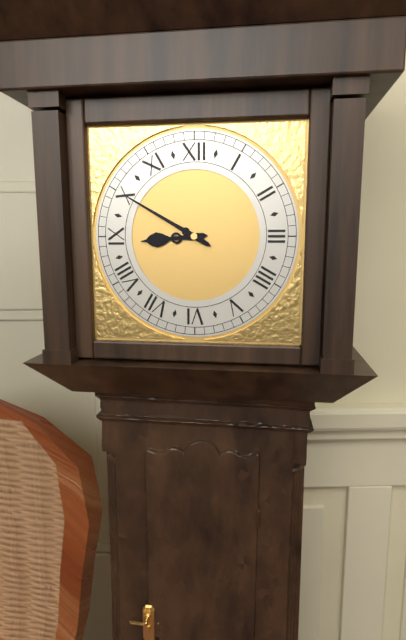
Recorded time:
8,50
